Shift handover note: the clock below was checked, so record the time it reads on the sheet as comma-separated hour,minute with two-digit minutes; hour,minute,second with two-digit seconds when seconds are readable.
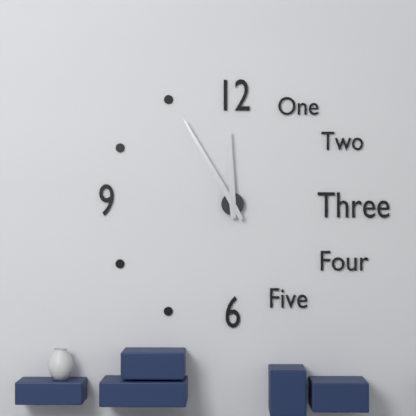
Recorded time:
11,55
